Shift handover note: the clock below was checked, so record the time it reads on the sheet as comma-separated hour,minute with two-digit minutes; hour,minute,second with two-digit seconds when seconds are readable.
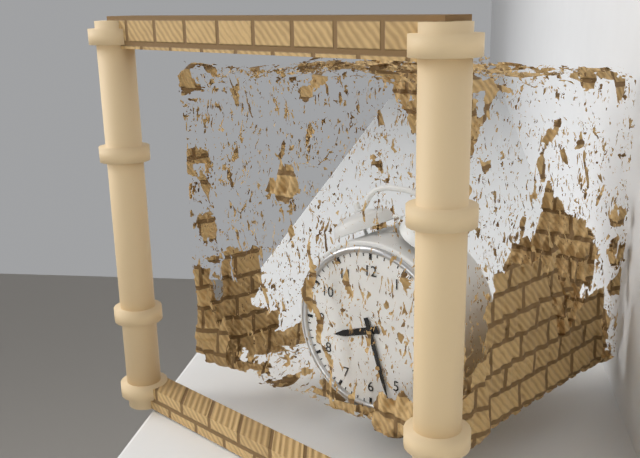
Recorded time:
8,27
